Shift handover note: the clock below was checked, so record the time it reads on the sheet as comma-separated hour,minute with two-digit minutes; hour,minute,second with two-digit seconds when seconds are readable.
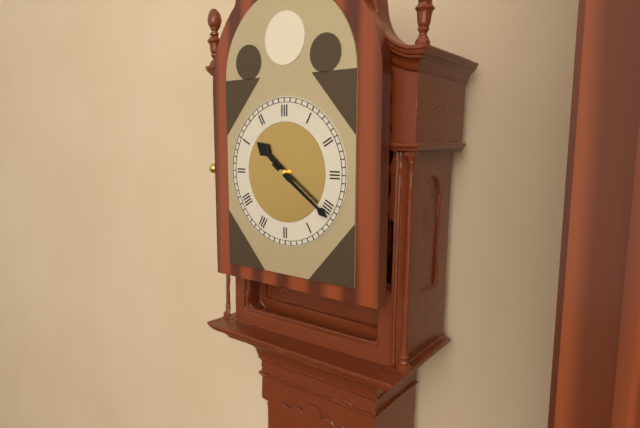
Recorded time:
10,21
